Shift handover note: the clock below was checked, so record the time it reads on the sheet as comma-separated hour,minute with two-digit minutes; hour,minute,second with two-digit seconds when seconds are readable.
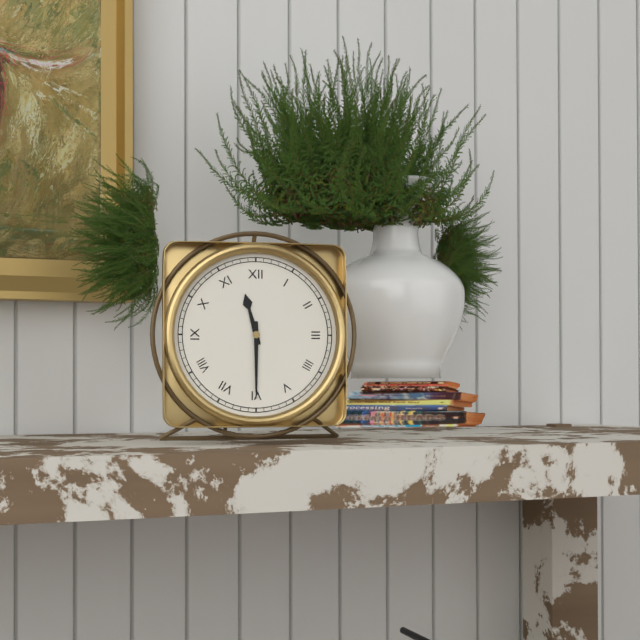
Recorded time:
11,30
